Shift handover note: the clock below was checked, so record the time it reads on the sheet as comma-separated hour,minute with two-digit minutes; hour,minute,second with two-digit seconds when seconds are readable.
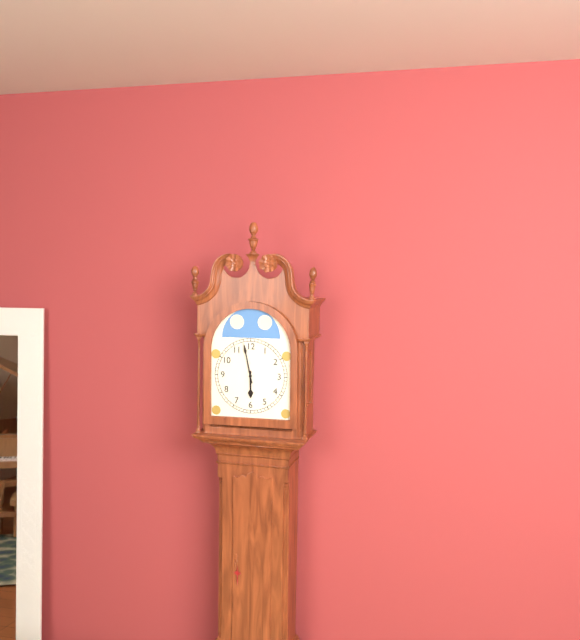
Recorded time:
5,58
